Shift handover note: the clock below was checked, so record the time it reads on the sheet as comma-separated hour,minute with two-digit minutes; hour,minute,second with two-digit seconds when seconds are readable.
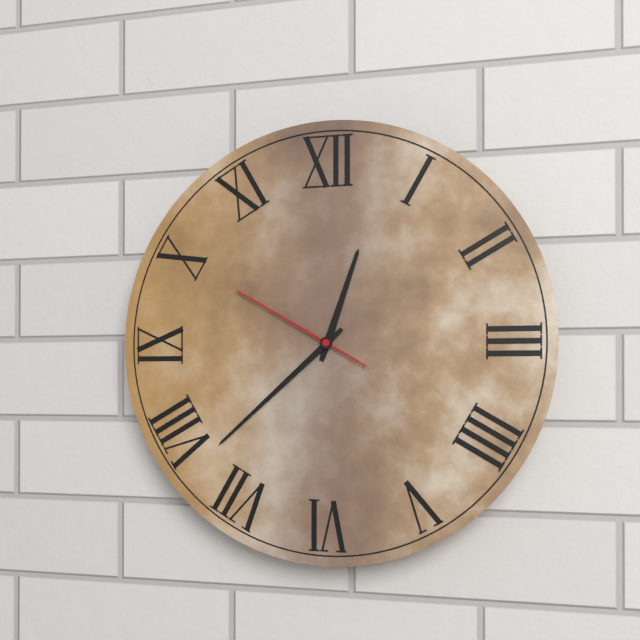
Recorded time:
12,38,50
